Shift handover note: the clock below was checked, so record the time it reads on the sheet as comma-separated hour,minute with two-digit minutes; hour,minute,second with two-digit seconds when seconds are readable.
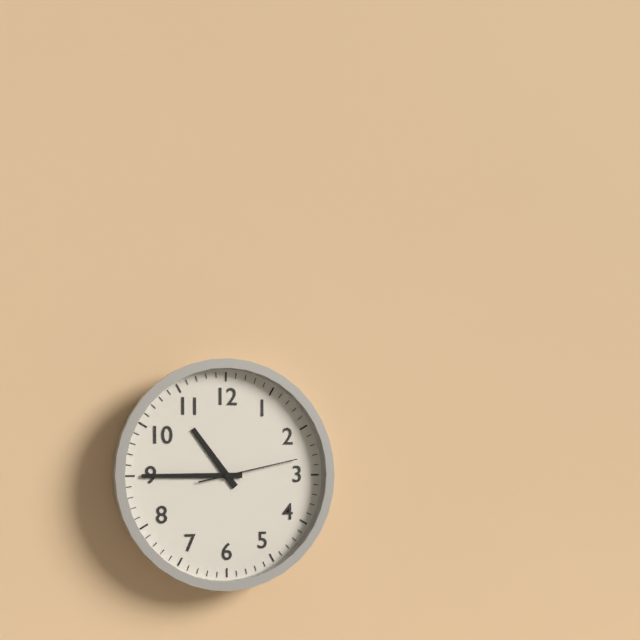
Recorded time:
10,45,13
